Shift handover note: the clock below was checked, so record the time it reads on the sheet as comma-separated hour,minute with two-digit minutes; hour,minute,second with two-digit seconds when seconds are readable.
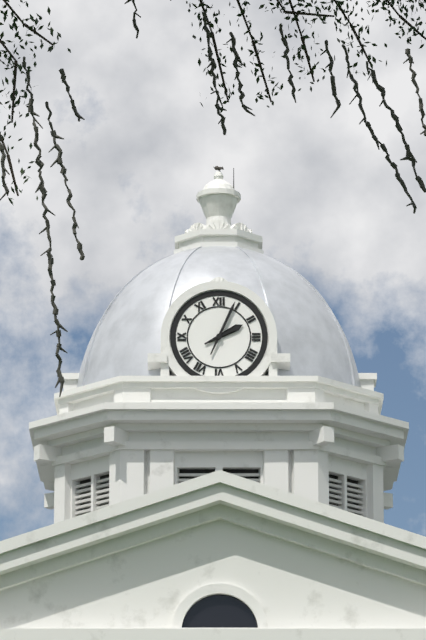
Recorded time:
2,04
